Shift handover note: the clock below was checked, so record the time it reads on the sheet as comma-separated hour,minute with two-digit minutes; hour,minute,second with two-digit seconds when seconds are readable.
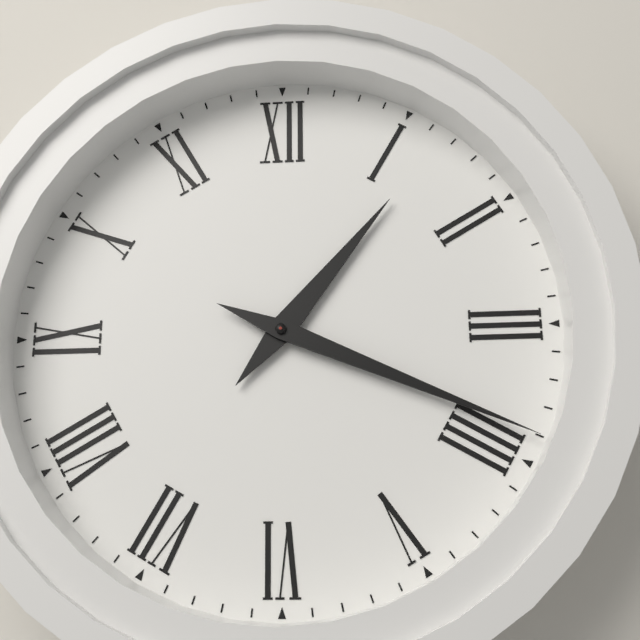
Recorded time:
1,19
